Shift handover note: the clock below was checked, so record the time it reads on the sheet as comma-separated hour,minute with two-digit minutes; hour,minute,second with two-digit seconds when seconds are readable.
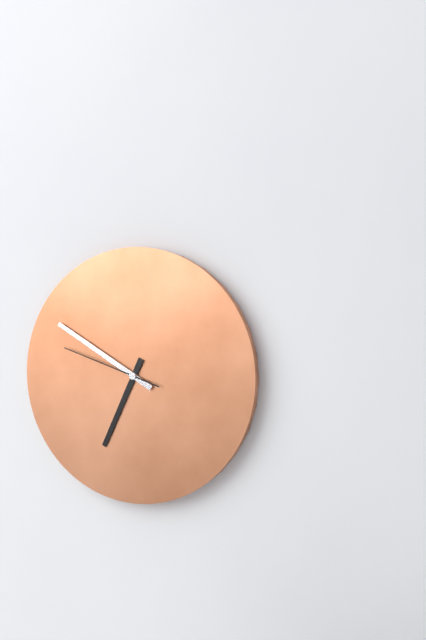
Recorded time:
6,50,48
